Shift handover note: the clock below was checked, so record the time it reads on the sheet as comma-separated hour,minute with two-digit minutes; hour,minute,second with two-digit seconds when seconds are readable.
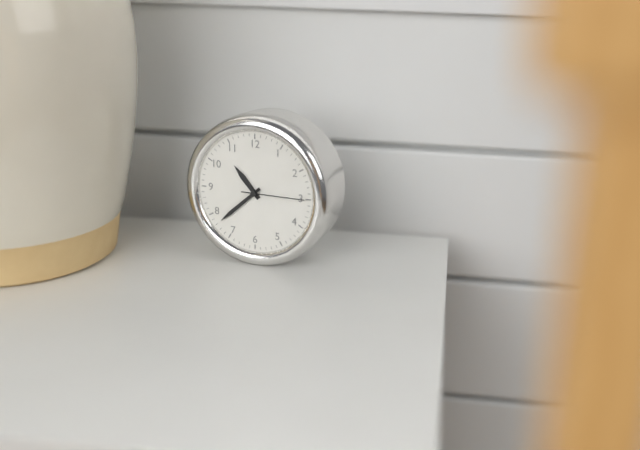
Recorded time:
10,38,15
